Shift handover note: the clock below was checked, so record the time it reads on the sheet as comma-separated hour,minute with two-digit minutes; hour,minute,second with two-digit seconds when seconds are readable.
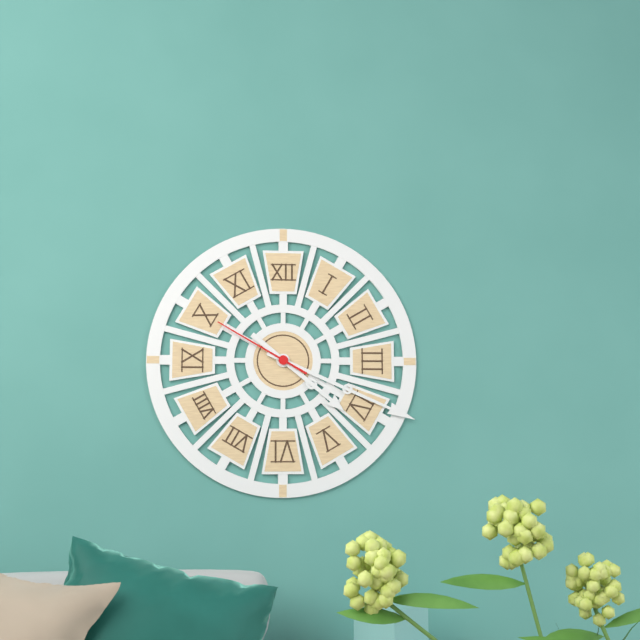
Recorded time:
4,19,50
